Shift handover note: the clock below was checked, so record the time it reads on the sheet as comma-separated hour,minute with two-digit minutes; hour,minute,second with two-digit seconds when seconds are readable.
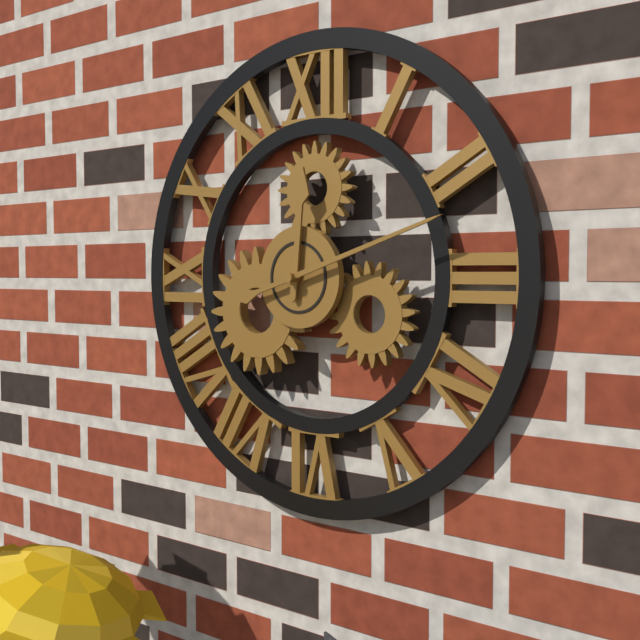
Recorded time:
12,12
